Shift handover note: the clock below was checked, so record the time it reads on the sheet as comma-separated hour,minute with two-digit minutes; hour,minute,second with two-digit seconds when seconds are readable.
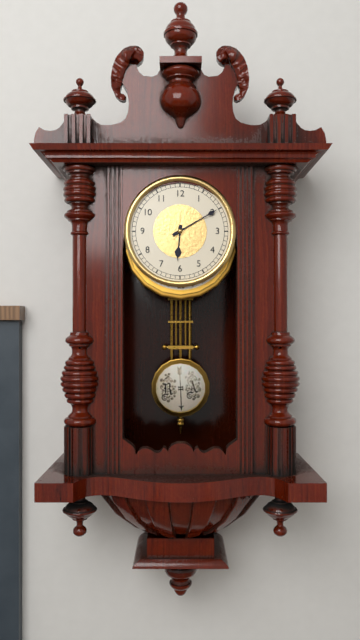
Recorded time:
6,10
